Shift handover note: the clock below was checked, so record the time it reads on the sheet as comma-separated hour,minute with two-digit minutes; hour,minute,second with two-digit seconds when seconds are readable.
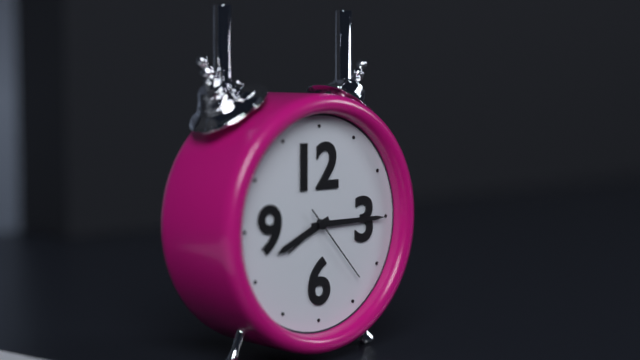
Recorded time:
8,15,23
